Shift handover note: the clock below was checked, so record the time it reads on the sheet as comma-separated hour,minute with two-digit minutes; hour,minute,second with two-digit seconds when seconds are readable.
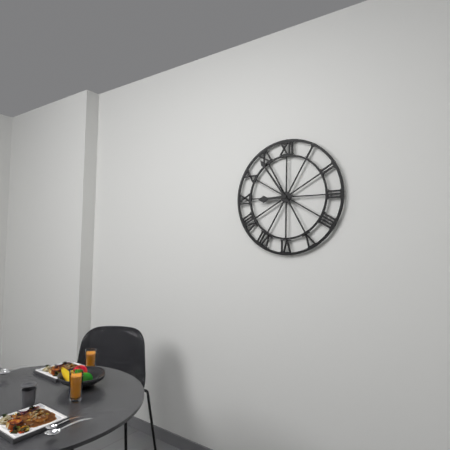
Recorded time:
8,54
